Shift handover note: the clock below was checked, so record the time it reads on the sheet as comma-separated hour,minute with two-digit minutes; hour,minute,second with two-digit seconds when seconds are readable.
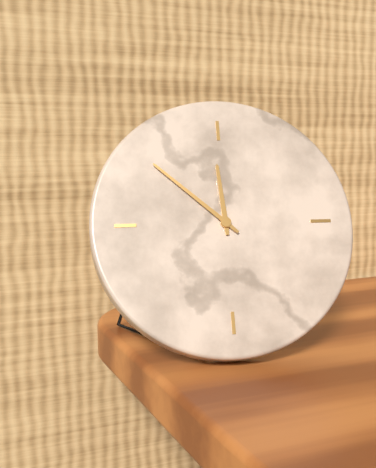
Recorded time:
11,52
